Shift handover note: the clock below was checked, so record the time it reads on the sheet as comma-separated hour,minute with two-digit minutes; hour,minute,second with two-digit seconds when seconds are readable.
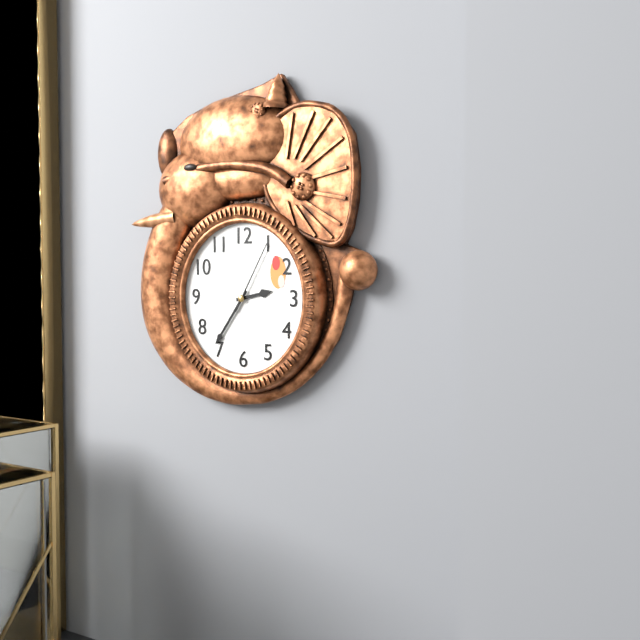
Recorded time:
2,36,05
